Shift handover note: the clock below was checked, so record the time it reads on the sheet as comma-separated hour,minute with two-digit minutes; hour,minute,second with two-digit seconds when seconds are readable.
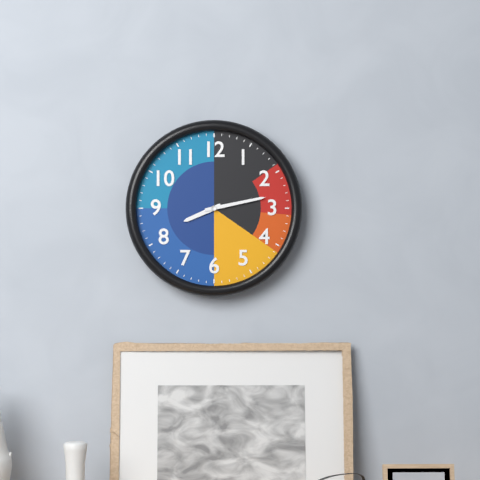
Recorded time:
8,13
